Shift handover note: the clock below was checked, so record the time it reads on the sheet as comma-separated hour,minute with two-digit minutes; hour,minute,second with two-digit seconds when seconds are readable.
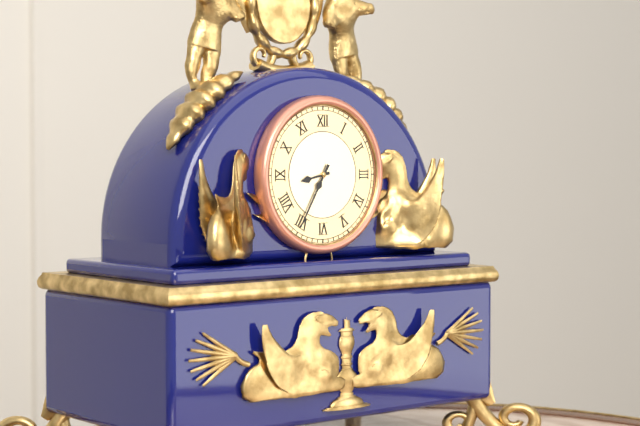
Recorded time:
8,35
